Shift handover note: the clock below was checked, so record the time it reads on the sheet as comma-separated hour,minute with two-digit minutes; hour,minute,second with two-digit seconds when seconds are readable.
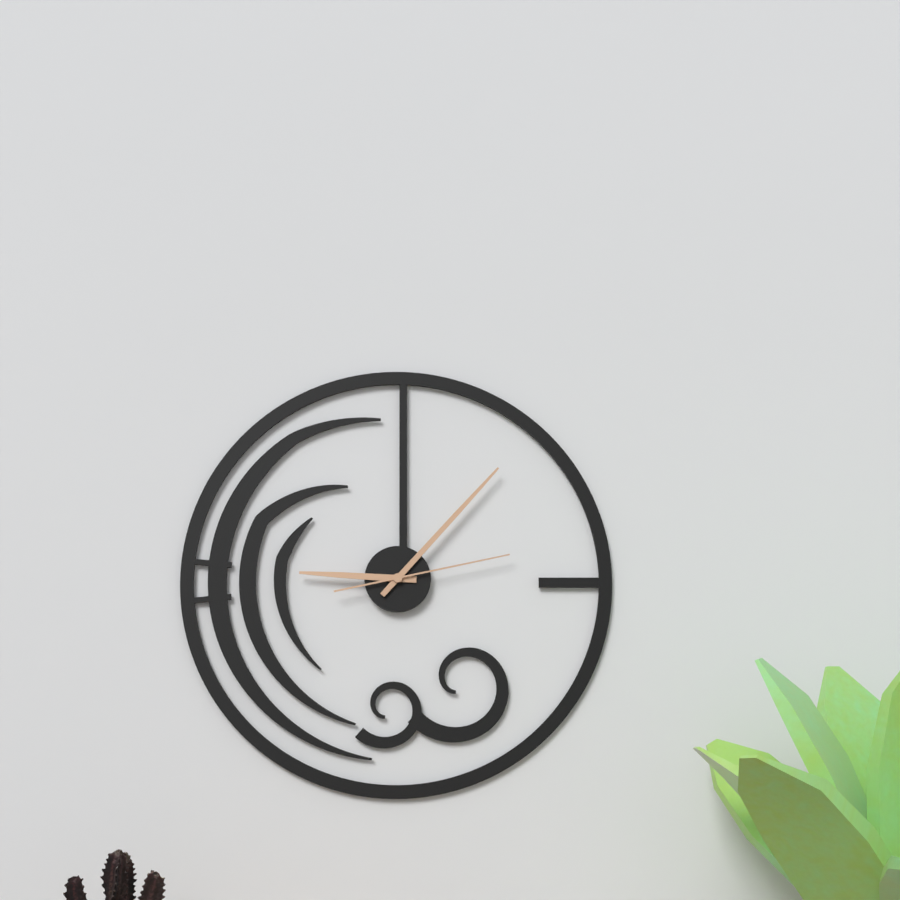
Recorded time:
9,07,13
